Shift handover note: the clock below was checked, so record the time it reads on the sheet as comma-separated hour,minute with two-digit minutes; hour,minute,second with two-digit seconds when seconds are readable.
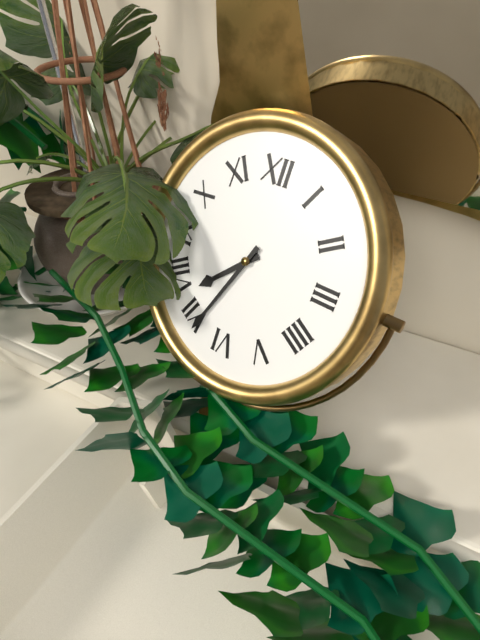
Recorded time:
7,34
